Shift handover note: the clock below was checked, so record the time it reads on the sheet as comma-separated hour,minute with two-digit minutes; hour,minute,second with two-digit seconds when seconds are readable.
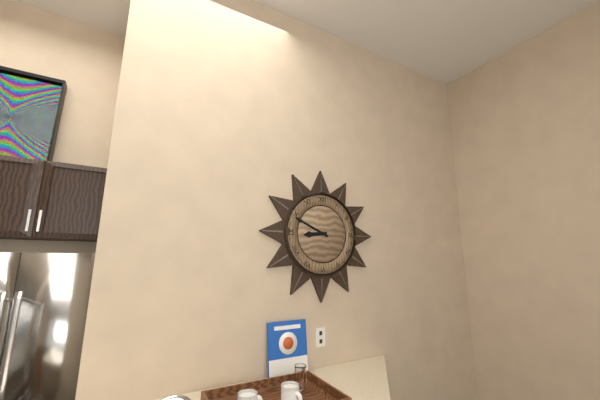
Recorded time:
8,49
